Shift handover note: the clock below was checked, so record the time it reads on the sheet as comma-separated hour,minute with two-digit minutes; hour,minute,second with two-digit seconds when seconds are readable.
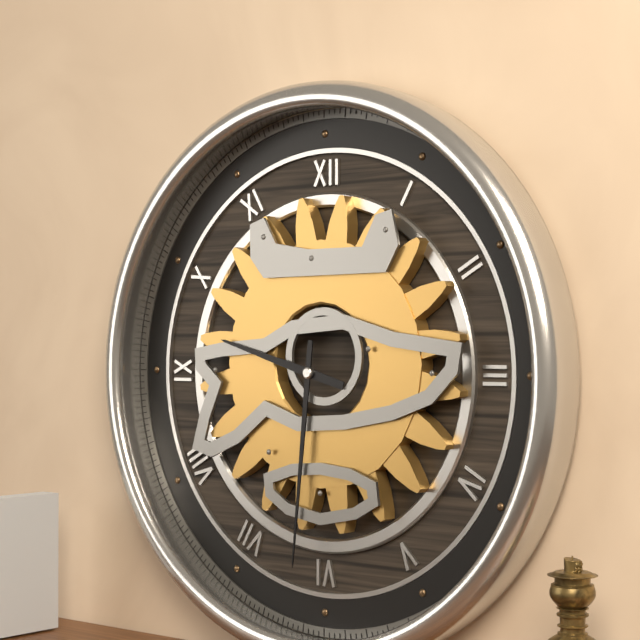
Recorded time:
9,31
